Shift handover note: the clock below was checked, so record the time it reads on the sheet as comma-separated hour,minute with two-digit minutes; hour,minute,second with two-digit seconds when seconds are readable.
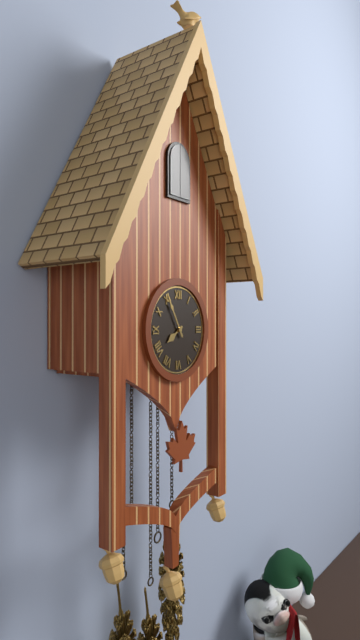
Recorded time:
7,55
